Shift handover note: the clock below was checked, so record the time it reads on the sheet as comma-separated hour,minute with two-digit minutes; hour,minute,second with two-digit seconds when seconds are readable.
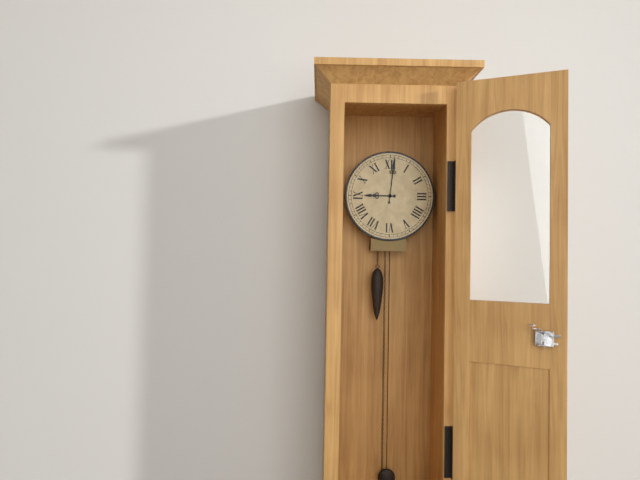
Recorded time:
9,01
